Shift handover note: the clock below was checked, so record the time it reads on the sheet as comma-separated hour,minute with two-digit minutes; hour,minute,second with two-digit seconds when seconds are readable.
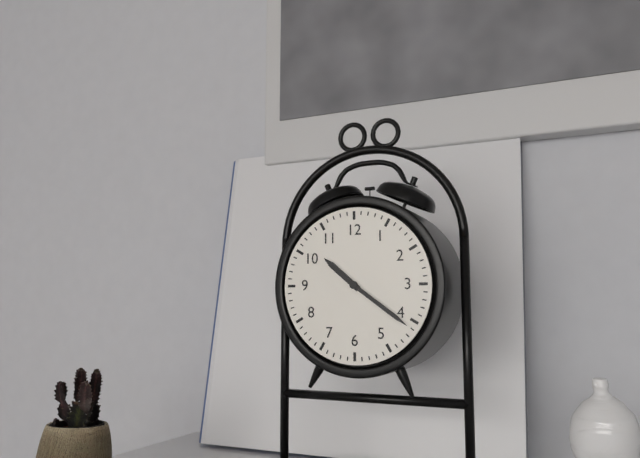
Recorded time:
10,21
